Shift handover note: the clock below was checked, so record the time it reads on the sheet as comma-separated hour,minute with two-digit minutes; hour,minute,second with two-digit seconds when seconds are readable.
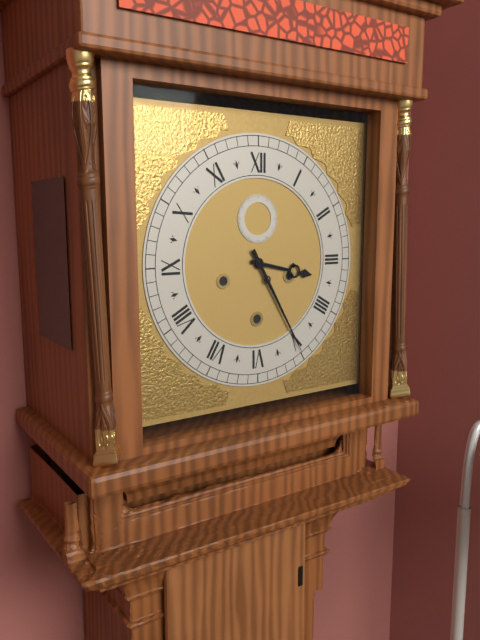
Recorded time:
3,25
